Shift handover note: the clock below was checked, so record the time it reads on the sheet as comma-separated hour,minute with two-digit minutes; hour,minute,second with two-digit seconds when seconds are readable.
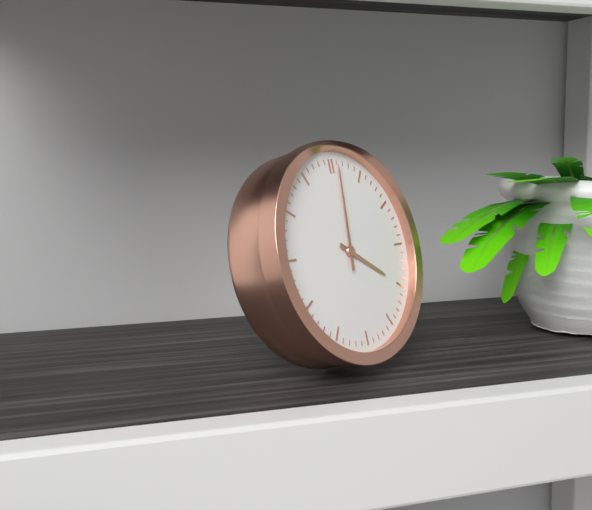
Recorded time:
4,01
